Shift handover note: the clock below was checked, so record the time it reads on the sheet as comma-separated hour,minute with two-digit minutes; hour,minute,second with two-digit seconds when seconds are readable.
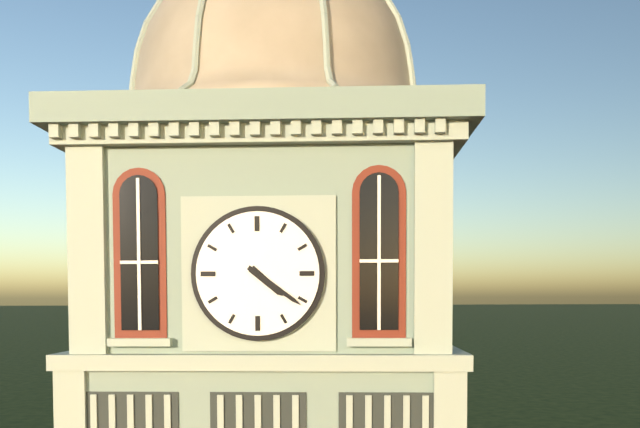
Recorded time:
4,21
